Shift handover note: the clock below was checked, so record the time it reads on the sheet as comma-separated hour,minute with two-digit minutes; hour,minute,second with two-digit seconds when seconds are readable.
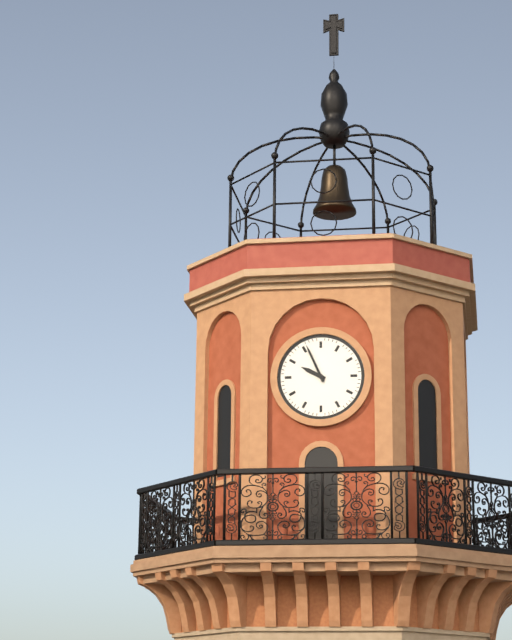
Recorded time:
9,56
